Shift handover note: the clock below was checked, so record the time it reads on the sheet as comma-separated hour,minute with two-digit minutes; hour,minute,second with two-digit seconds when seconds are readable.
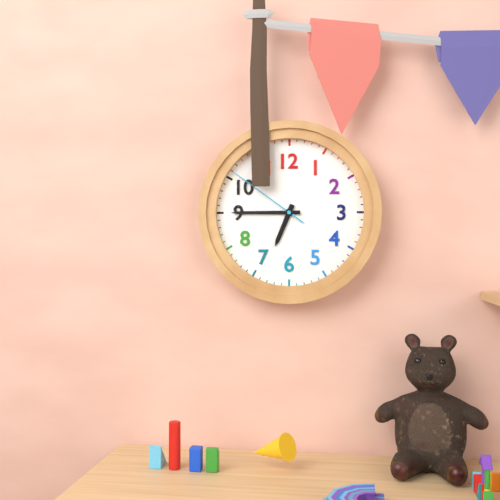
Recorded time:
6,45,51
